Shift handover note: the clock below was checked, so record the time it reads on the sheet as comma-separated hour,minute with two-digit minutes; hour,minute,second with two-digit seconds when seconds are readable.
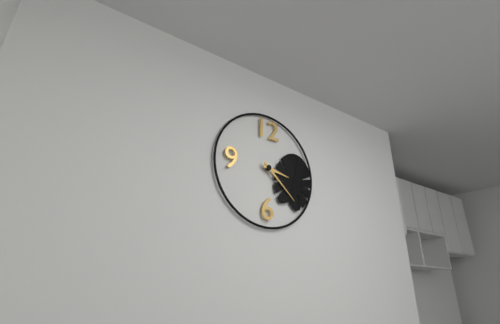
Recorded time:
3,22
